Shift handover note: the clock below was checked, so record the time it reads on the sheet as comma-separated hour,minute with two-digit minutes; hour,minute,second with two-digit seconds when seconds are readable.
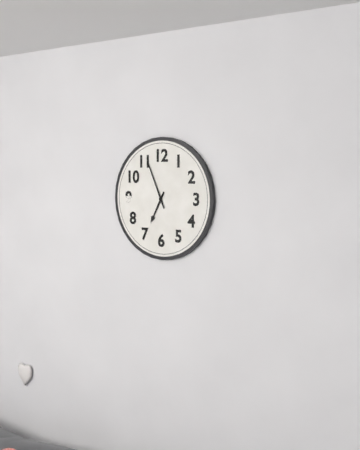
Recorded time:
6,56
